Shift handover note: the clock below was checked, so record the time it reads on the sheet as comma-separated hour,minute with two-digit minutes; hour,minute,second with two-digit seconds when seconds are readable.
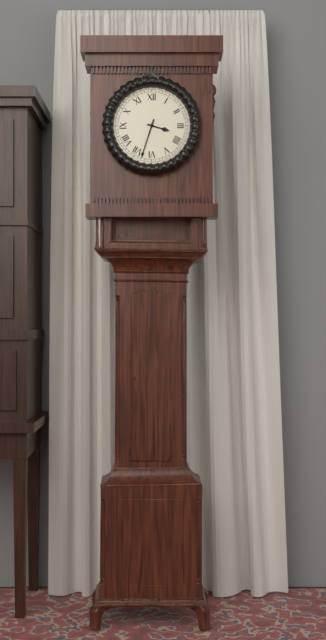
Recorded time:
3,33
